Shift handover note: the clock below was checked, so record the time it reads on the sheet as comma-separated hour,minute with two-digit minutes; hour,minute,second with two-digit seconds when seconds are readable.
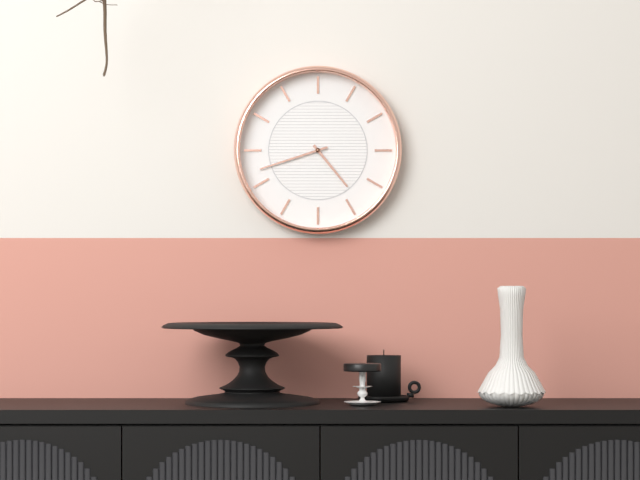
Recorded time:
4,42
